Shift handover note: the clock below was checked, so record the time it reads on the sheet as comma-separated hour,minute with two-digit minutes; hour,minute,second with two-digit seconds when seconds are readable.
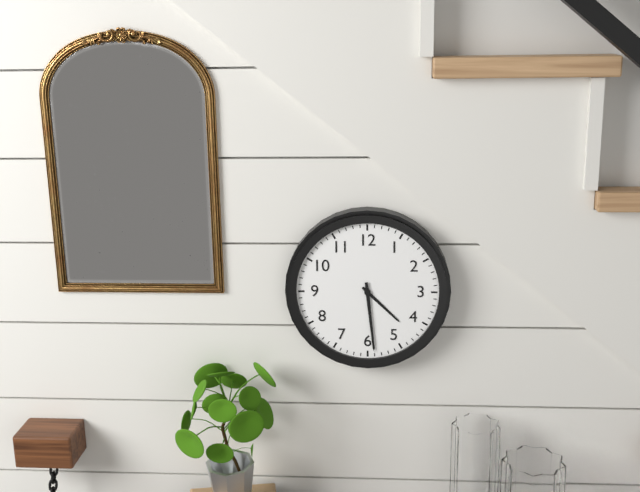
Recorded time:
4,29
